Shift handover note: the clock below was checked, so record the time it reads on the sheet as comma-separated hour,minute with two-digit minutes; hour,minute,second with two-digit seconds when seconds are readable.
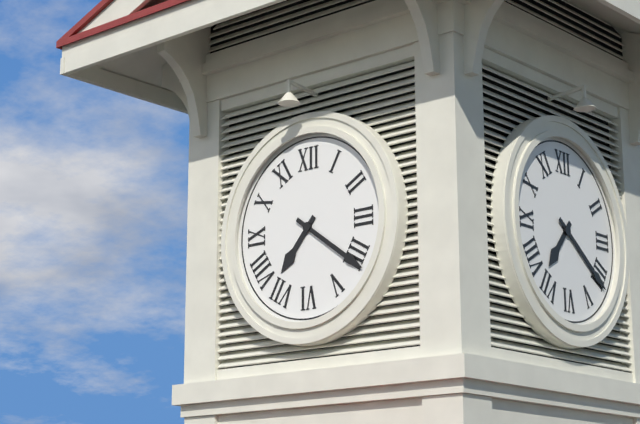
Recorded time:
7,21
